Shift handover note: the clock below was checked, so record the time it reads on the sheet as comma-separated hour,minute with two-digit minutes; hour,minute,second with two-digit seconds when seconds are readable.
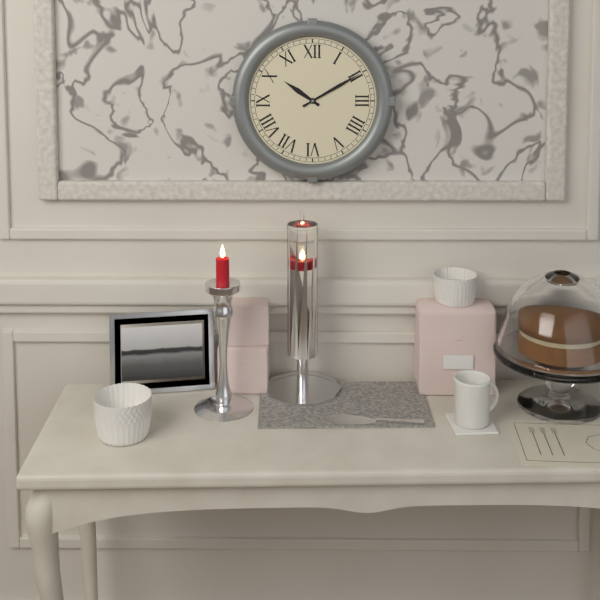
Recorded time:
10,10
